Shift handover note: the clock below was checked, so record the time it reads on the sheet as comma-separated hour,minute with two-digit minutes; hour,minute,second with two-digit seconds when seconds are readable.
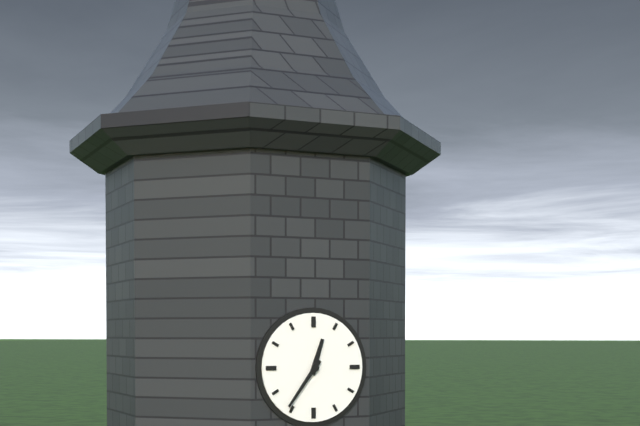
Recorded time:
12,36
